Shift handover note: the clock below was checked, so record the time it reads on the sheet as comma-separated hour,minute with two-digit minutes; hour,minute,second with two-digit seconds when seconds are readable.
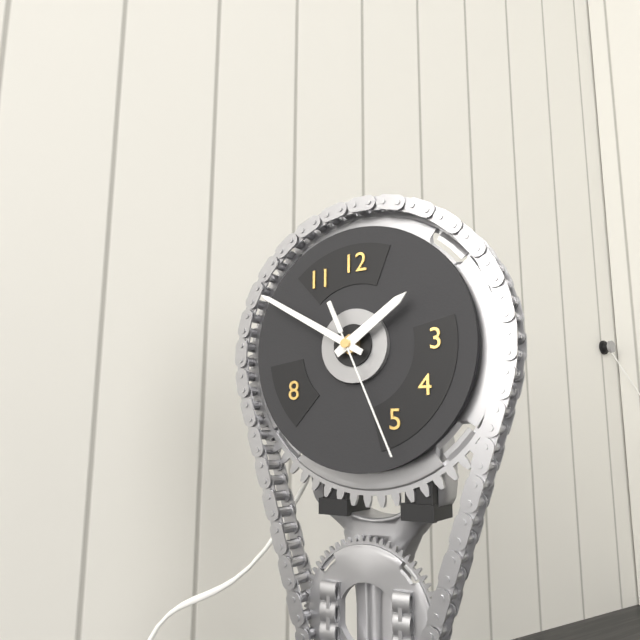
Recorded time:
1,50,26
